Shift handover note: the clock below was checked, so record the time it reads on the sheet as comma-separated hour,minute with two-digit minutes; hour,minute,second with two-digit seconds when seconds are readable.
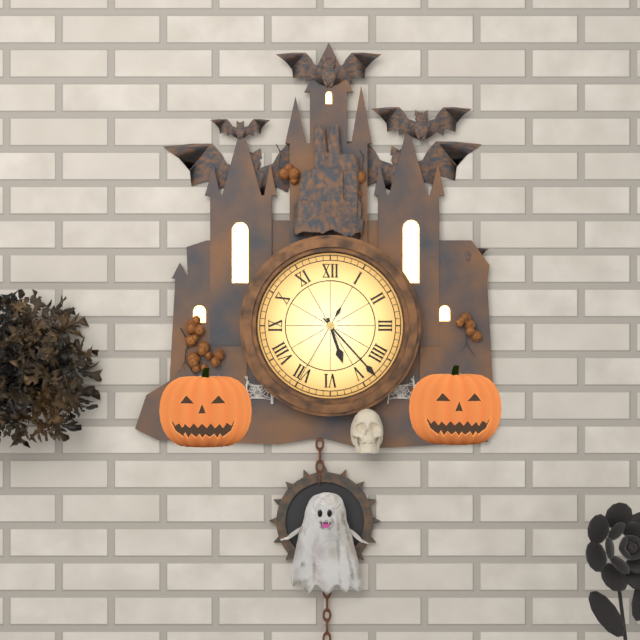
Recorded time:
5,23,35
